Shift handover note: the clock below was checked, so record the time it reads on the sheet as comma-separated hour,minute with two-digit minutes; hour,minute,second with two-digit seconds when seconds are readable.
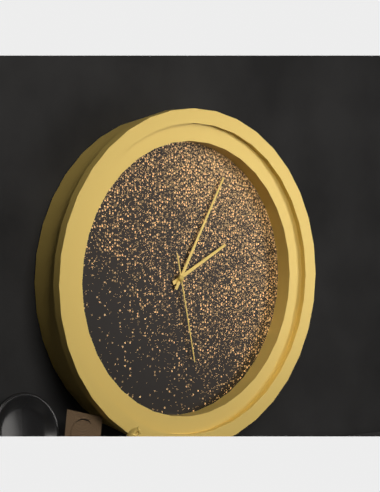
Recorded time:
2,05,28
